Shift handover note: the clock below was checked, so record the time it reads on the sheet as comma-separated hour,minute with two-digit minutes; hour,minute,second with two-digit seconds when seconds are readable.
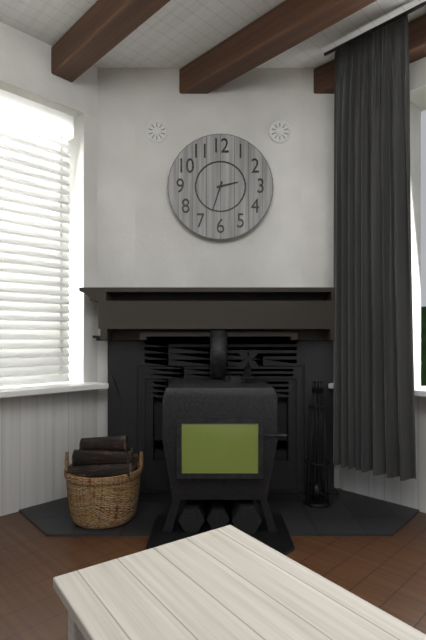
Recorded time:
2,33
